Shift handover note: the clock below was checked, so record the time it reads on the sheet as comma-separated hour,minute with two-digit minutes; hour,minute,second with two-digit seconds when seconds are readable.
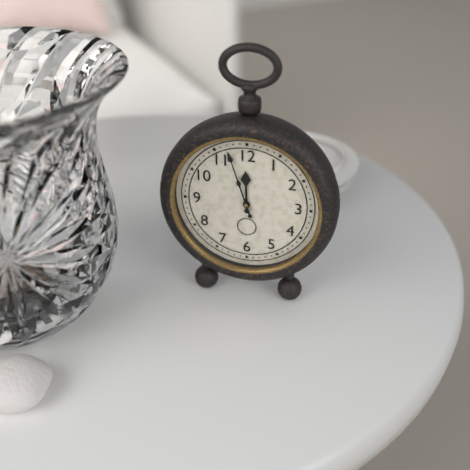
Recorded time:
11,57
